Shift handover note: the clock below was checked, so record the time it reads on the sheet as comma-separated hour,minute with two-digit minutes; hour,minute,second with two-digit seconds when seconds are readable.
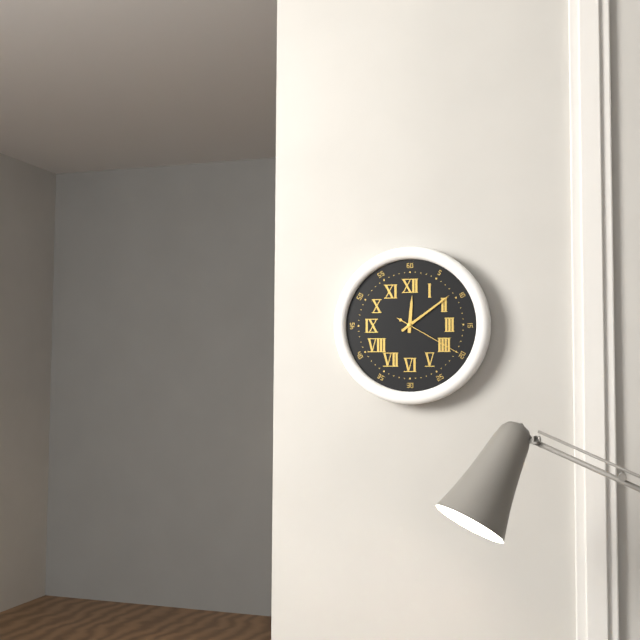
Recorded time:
12,09,20
